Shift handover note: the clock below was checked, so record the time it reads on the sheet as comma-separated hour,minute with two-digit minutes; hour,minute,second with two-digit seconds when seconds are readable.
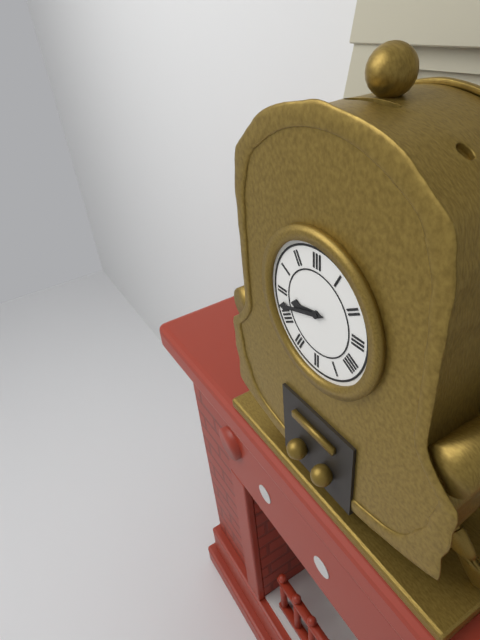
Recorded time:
8,42
